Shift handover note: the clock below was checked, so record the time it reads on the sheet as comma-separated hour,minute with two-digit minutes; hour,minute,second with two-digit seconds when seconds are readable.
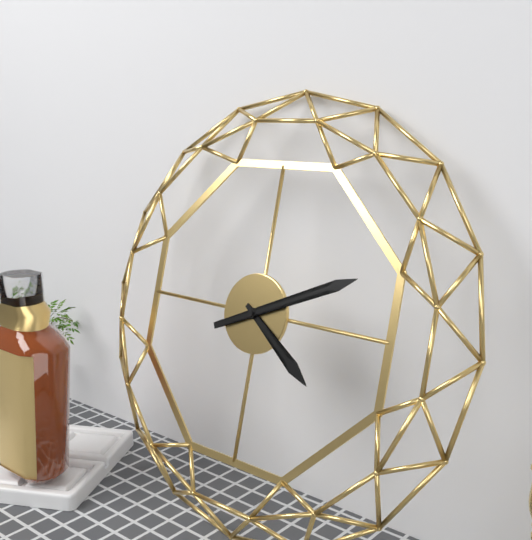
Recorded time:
4,11
